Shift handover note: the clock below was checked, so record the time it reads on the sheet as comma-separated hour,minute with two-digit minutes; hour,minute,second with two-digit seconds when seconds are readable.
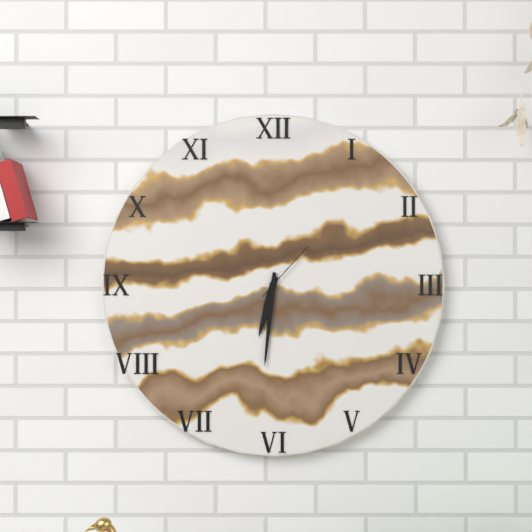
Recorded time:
6,31,07
